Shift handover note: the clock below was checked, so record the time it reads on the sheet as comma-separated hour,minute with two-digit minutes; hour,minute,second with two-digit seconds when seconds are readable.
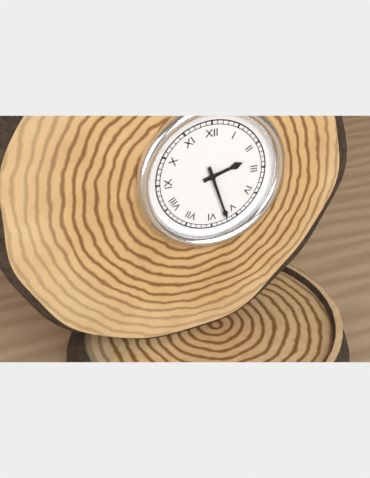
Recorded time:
2,27
